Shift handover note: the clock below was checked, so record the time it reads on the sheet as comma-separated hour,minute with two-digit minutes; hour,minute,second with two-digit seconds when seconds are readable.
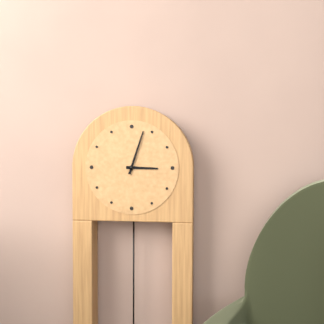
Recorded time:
3,03
